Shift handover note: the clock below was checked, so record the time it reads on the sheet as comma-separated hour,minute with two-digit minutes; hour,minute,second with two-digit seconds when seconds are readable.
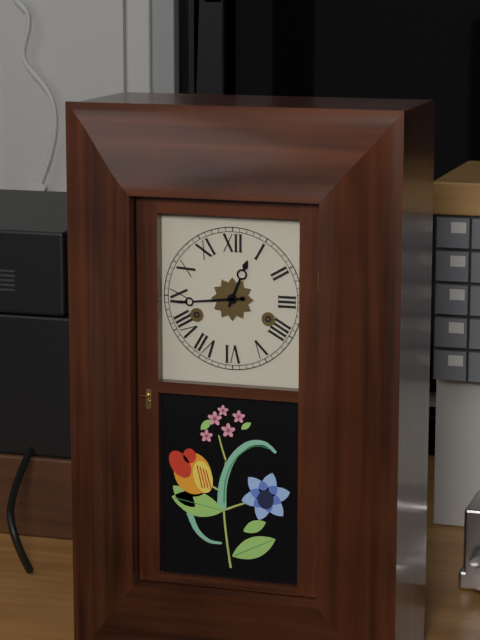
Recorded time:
12,44
